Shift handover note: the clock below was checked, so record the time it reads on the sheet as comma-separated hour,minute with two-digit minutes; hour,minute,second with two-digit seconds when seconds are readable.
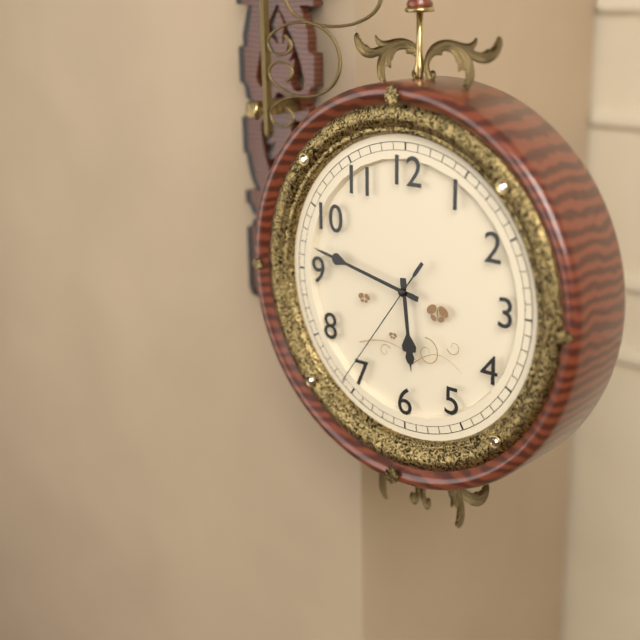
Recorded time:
5,47,36
